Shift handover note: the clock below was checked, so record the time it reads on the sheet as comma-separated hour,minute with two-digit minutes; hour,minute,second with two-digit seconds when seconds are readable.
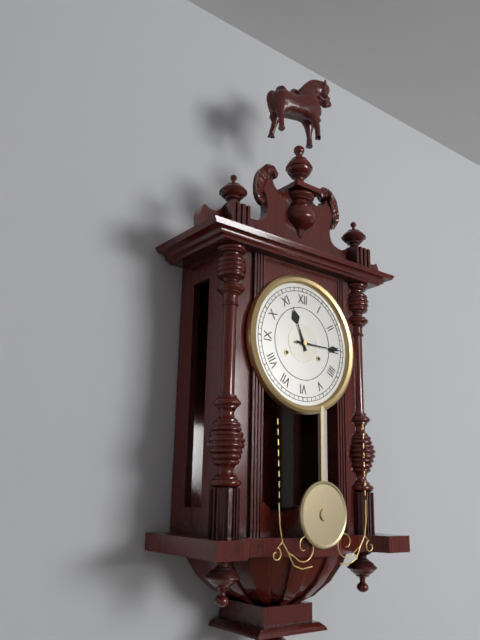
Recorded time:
11,15
